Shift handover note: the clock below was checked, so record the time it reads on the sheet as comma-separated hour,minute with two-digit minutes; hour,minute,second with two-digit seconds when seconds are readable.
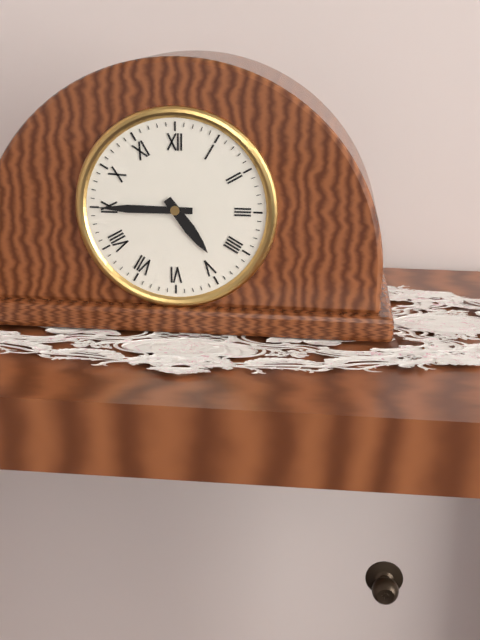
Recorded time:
4,45
